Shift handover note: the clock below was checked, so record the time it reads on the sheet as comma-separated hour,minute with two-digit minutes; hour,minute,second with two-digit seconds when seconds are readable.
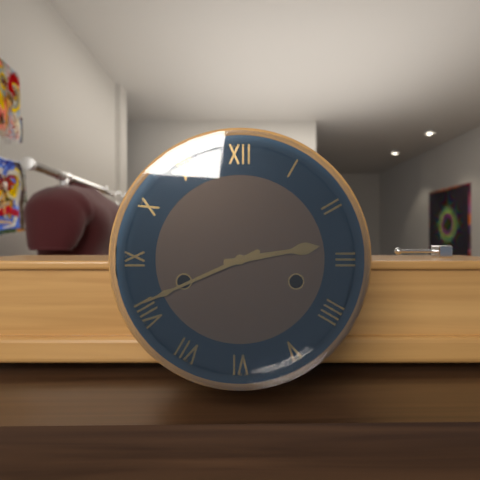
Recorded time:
2,41
